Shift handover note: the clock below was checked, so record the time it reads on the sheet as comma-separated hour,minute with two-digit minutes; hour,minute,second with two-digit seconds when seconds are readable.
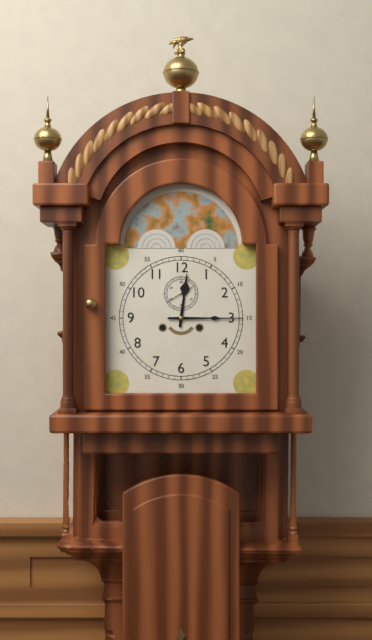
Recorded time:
12,15
